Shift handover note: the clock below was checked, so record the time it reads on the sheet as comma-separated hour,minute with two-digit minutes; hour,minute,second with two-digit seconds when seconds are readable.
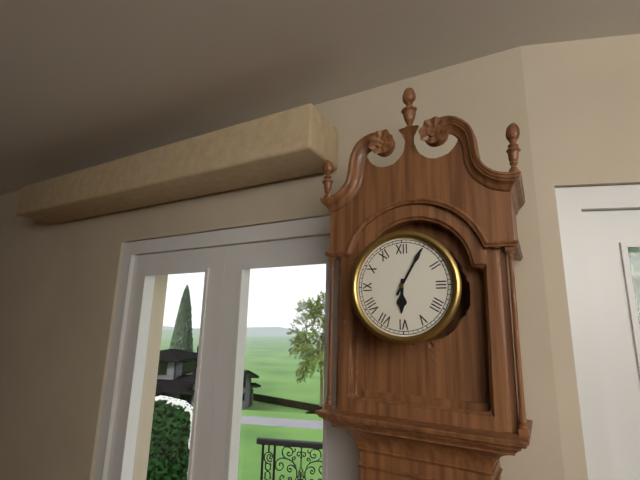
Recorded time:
6,05
